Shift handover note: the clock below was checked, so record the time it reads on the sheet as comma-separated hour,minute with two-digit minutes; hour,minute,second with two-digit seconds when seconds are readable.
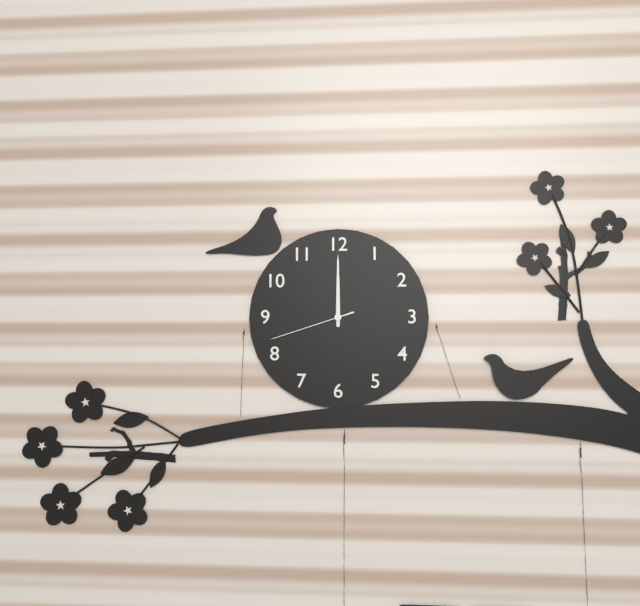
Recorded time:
12,00,42
